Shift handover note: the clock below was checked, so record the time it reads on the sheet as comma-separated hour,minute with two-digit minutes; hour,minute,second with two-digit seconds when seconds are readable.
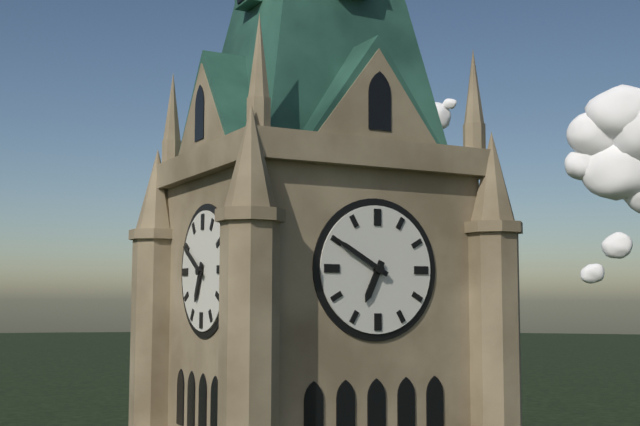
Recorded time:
6,50
